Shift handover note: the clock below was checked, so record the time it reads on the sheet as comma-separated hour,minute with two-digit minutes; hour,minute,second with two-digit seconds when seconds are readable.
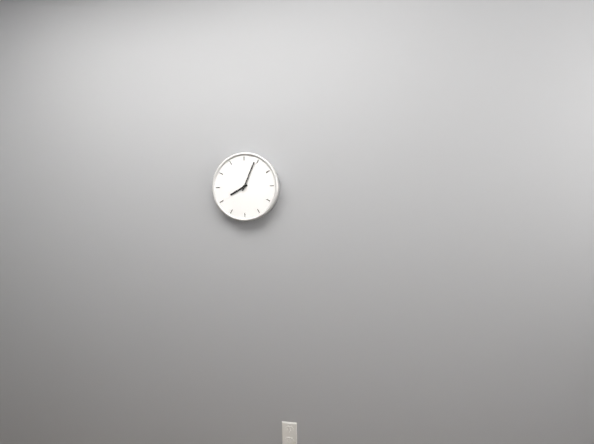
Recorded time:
8,04
